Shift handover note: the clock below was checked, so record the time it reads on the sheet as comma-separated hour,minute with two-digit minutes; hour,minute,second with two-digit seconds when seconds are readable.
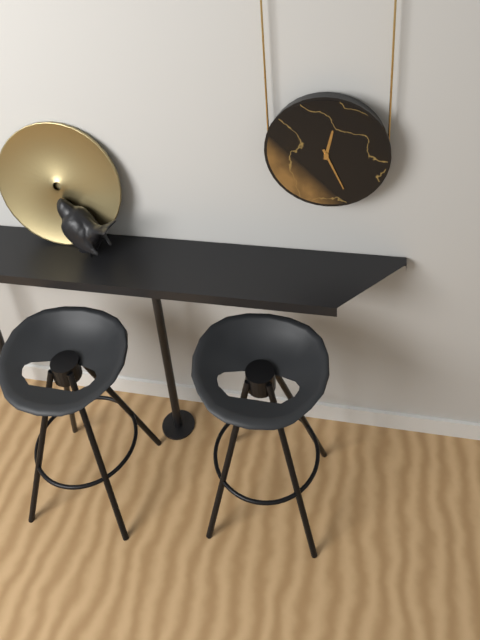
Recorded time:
12,26
